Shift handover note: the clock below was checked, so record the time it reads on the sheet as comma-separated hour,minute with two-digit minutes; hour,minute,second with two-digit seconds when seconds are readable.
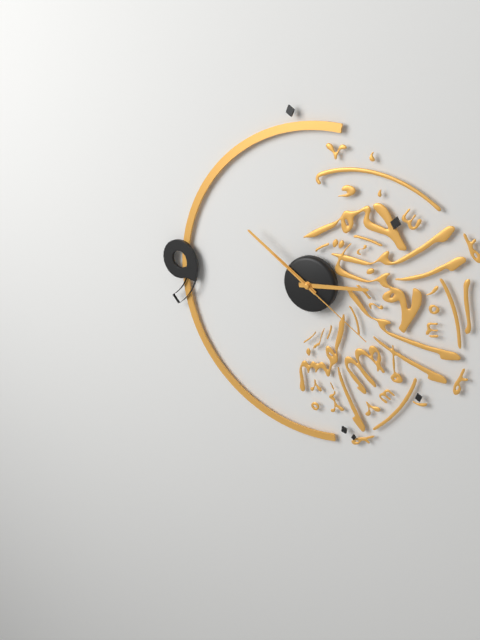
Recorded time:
2,51,21
